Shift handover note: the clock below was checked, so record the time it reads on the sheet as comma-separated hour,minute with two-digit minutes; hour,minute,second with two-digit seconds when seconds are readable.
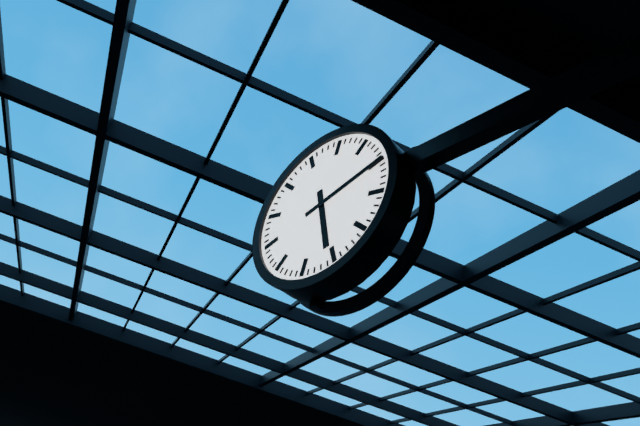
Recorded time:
5,10
